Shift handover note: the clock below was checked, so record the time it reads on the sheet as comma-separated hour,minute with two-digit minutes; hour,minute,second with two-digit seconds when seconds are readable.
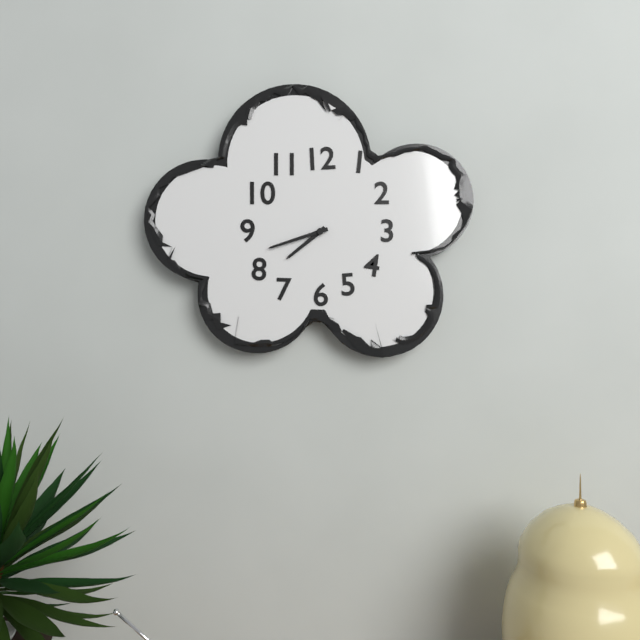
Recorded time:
7,42
